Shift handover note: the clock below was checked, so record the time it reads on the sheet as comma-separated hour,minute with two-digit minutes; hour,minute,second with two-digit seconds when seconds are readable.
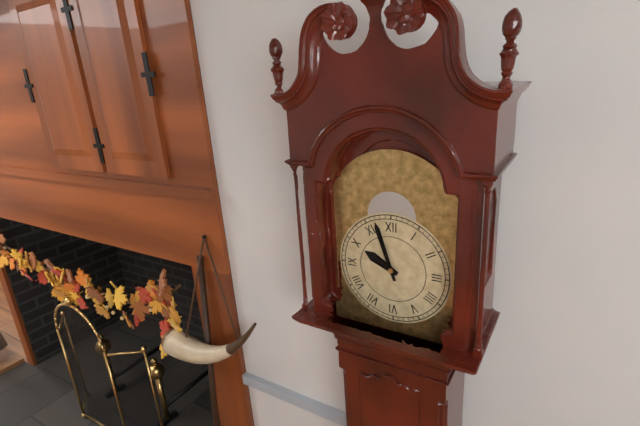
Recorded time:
9,57
